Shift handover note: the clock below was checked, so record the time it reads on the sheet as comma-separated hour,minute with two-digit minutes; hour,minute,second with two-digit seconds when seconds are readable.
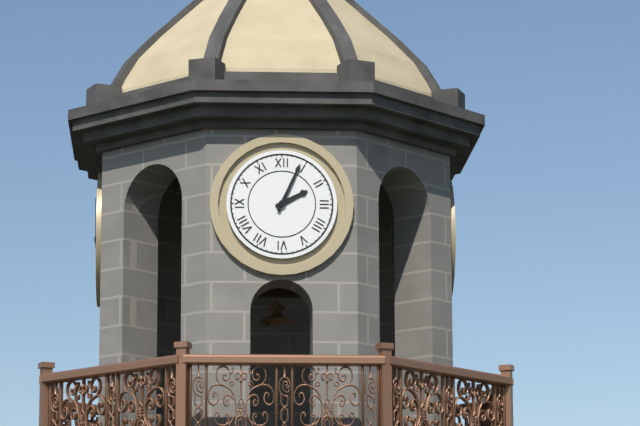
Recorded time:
2,04
